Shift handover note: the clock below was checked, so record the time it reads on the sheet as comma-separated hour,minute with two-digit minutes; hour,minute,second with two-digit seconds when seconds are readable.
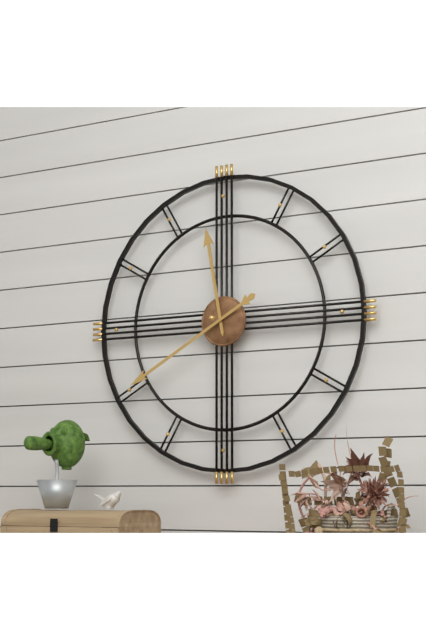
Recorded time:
11,40
